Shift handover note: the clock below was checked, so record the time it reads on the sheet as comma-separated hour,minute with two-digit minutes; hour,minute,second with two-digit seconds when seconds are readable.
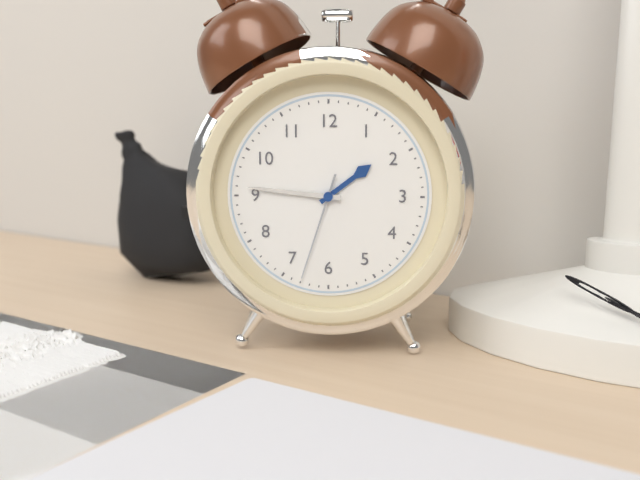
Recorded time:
1,46,33
